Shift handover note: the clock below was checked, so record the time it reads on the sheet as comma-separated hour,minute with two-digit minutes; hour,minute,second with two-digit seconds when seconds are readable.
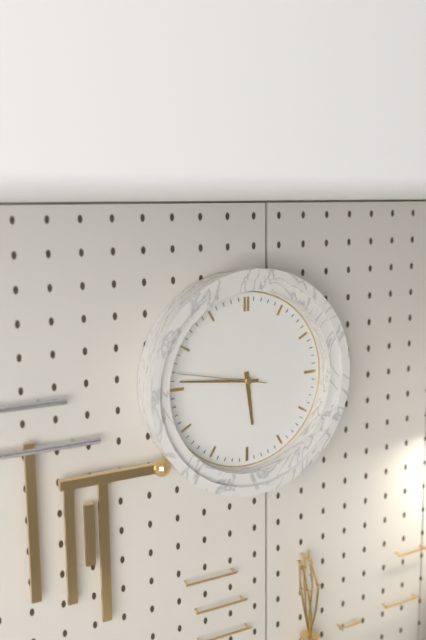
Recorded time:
5,46,47
